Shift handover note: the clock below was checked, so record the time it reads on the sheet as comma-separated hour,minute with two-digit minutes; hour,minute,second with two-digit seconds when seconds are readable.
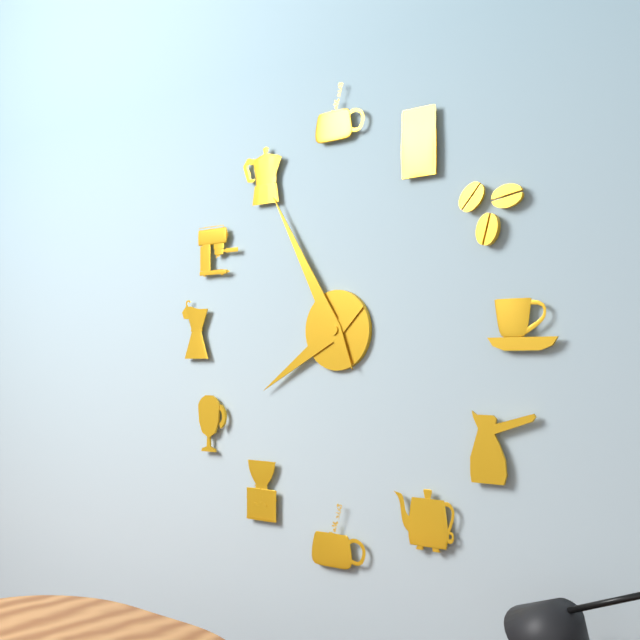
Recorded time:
7,55
